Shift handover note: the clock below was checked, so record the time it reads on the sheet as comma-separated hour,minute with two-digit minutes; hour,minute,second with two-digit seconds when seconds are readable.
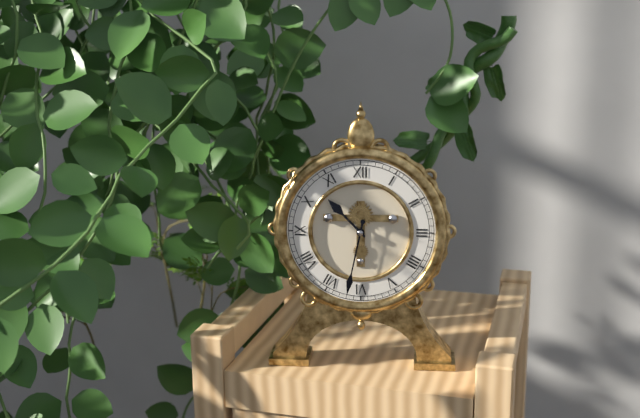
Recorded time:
10,32
